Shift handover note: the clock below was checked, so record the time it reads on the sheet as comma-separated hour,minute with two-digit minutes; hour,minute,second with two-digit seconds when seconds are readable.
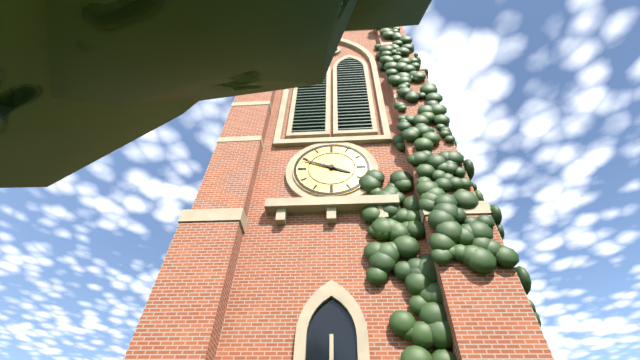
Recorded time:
3,49
